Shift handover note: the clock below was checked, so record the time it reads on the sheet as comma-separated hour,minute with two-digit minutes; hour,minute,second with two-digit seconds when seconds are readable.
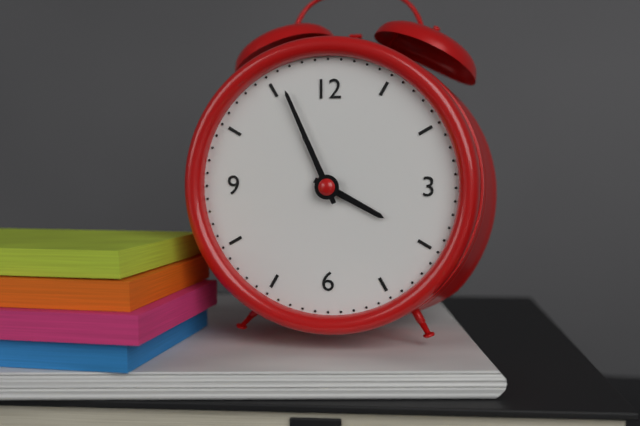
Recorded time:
3,56
